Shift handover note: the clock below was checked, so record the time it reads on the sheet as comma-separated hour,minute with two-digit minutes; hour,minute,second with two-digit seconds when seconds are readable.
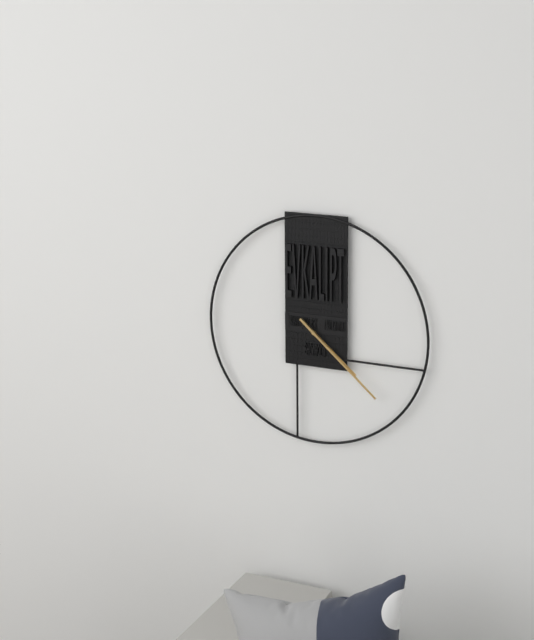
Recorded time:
4,22
